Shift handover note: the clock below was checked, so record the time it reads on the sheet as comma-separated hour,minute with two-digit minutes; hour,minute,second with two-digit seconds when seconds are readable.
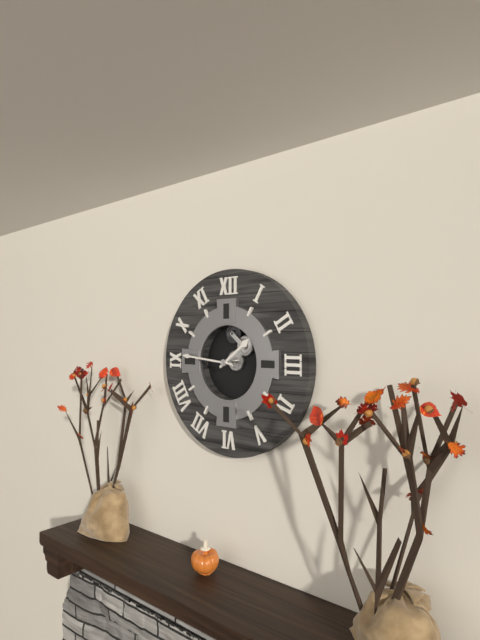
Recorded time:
1,46
